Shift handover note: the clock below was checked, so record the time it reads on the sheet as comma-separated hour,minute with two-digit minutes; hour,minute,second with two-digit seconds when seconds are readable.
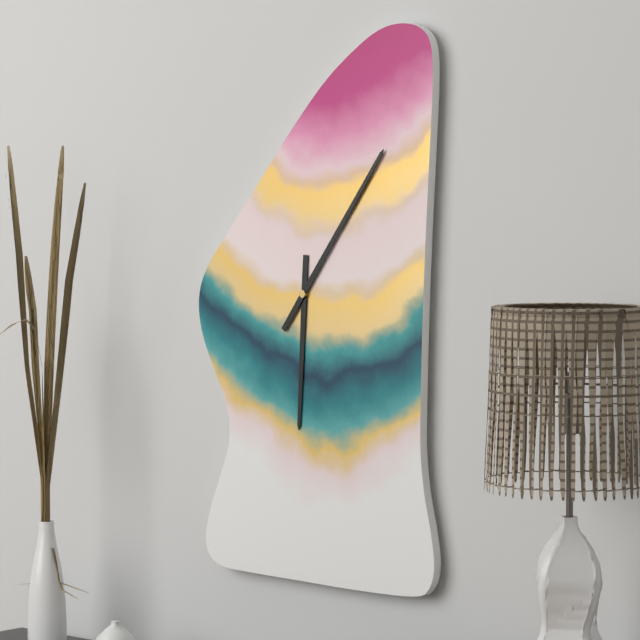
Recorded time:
6,06
